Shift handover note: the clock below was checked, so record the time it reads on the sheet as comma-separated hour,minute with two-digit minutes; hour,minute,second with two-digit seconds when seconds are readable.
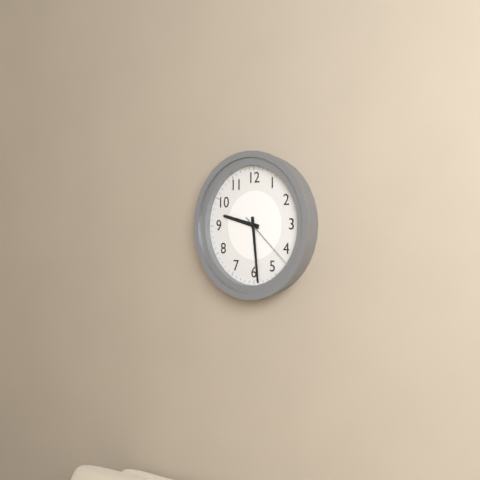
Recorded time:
9,29,22
